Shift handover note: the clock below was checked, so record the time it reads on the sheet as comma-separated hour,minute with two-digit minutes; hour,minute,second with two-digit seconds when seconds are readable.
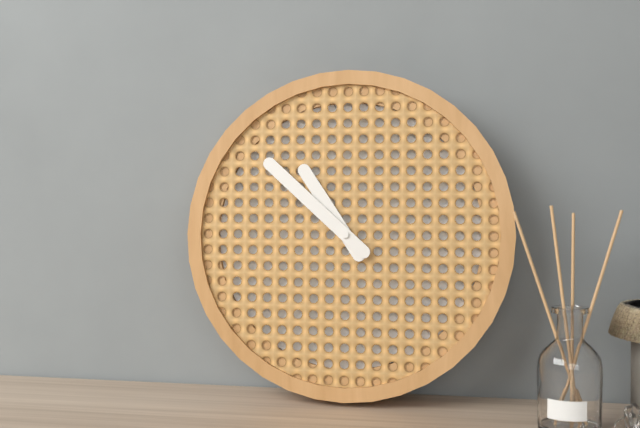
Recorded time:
10,52
